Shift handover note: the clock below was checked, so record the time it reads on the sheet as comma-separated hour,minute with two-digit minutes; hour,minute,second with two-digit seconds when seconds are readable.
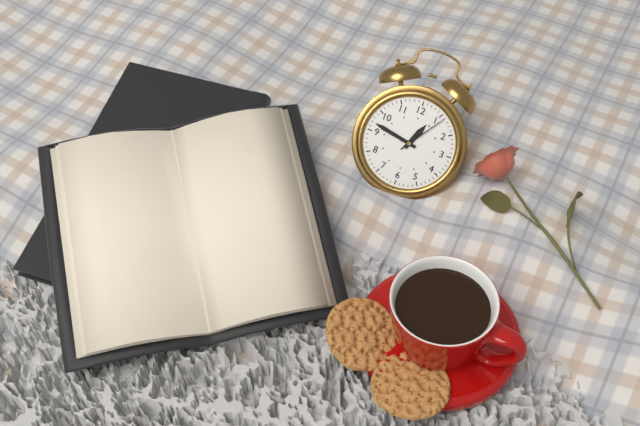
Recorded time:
12,47,06
